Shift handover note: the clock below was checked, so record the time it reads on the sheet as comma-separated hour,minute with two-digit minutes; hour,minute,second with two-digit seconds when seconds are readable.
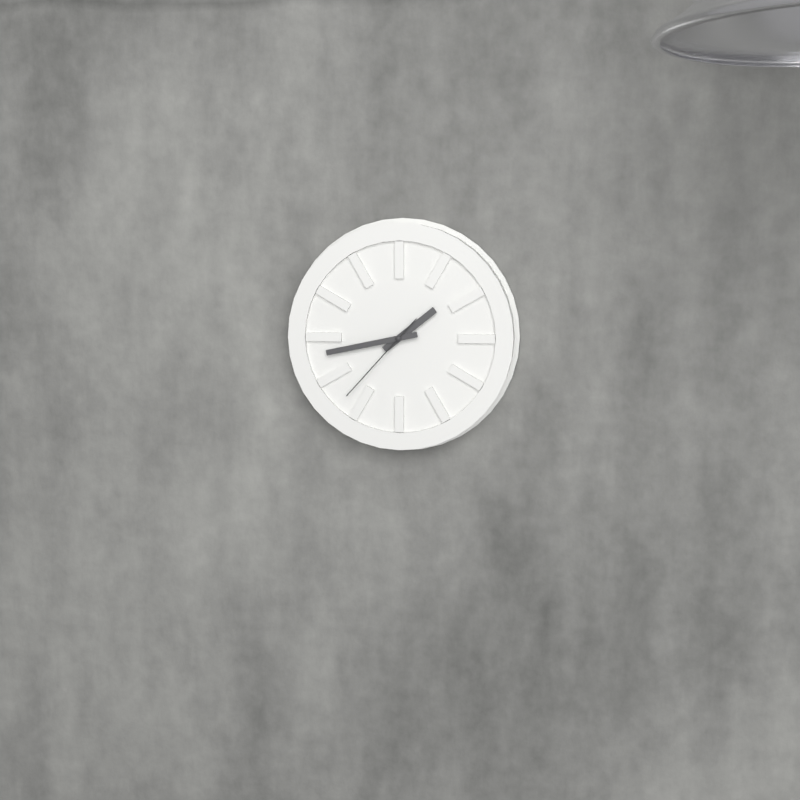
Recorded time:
1,43,37
